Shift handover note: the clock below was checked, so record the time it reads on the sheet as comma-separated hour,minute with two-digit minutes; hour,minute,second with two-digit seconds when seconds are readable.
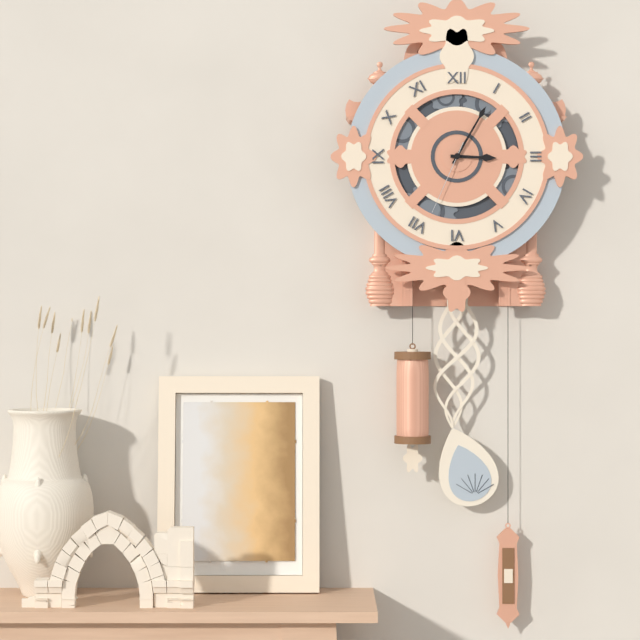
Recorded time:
3,05,34
